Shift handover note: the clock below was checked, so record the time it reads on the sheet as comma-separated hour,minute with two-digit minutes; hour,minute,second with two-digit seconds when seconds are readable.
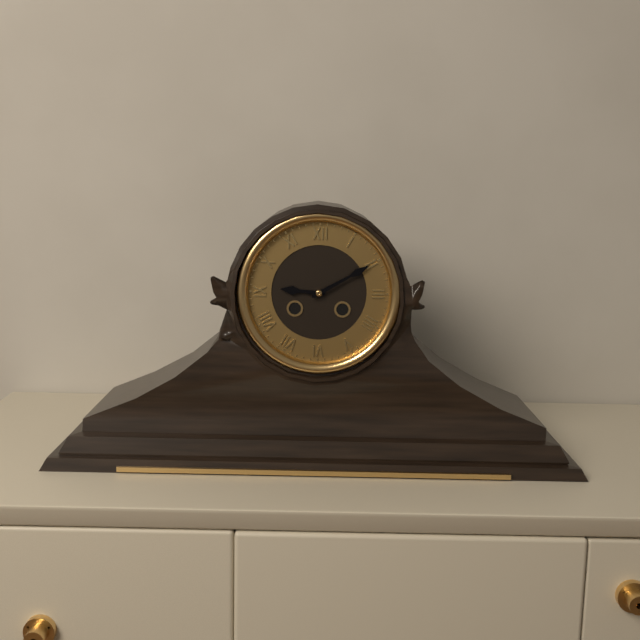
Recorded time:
9,10
